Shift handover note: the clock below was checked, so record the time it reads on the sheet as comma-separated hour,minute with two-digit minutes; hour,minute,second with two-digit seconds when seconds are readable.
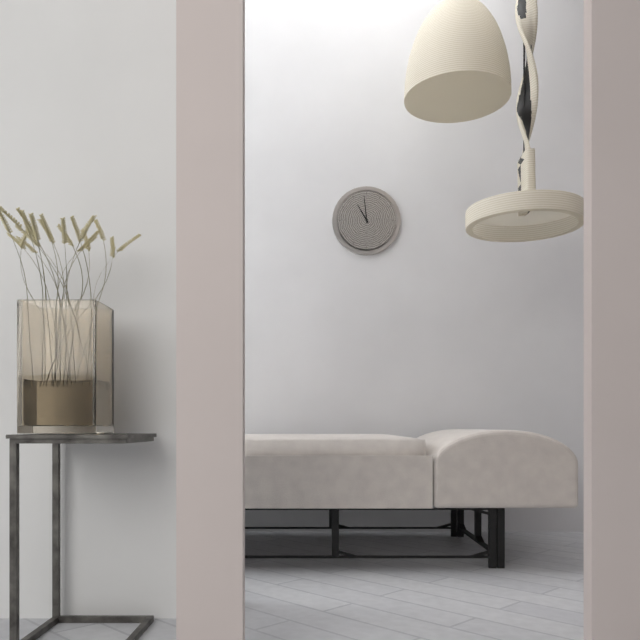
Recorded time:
10,59
